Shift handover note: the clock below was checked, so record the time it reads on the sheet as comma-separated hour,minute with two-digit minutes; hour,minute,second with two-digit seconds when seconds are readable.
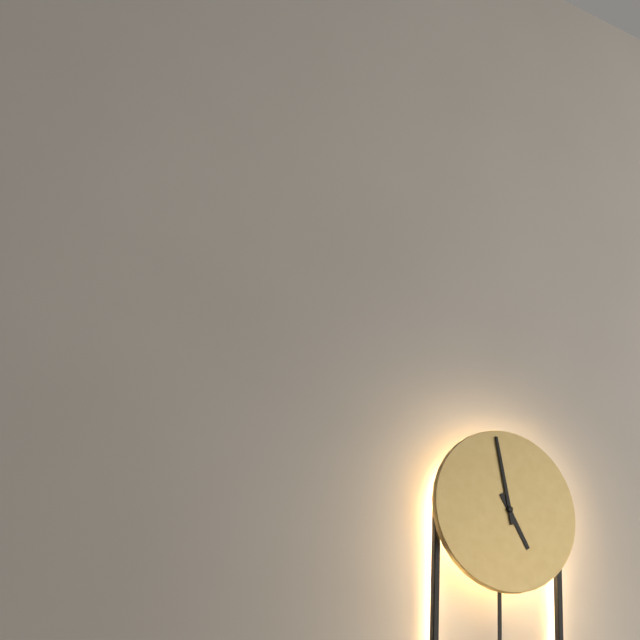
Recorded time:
4,58
